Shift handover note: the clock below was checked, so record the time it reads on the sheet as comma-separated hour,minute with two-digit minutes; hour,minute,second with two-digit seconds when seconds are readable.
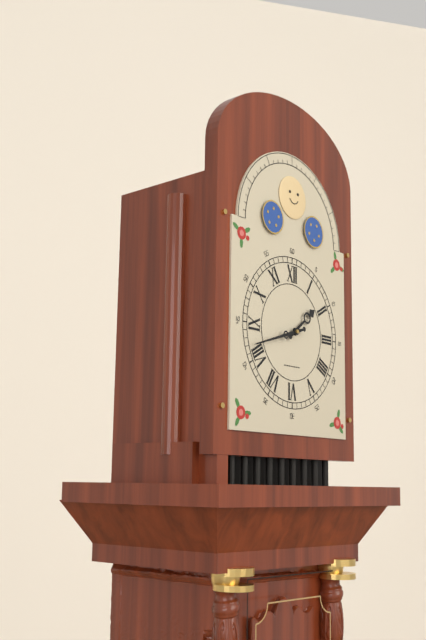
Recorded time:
1,42
